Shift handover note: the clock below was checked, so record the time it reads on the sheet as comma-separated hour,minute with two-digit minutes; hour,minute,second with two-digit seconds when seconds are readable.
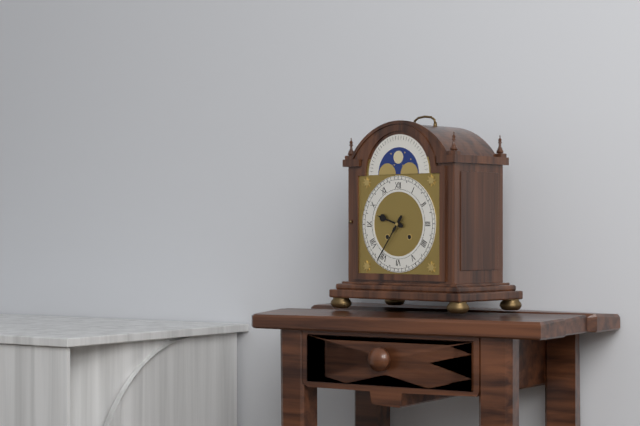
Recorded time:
9,36
